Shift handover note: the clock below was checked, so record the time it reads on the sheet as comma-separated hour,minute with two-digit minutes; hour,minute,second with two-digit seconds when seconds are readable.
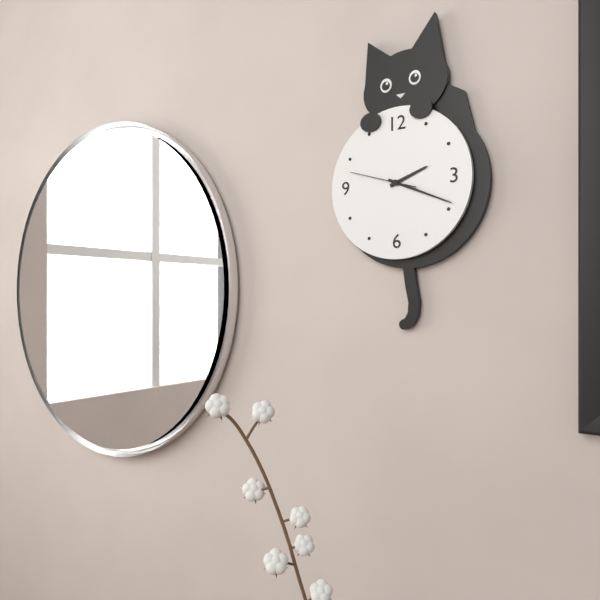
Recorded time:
2,19,48
